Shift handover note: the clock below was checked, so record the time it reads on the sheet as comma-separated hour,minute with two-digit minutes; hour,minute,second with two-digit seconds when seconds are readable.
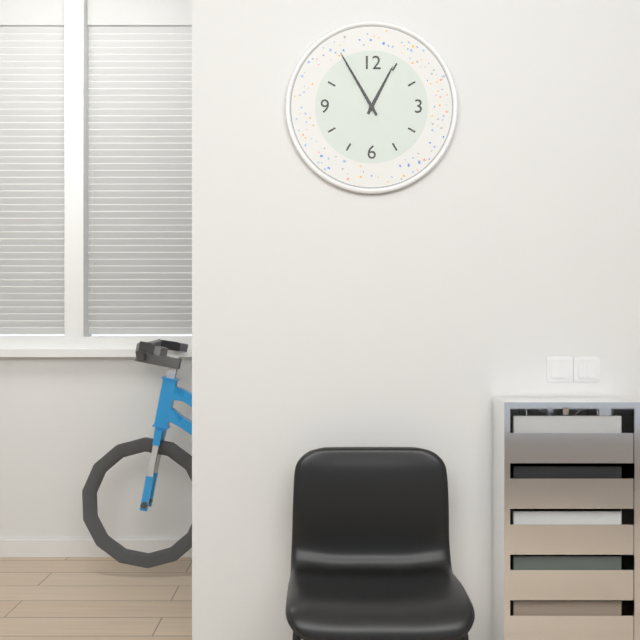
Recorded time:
12,55
